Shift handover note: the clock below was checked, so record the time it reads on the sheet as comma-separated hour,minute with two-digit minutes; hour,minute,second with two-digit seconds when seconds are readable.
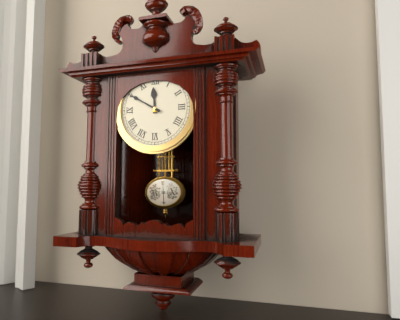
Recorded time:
11,50
